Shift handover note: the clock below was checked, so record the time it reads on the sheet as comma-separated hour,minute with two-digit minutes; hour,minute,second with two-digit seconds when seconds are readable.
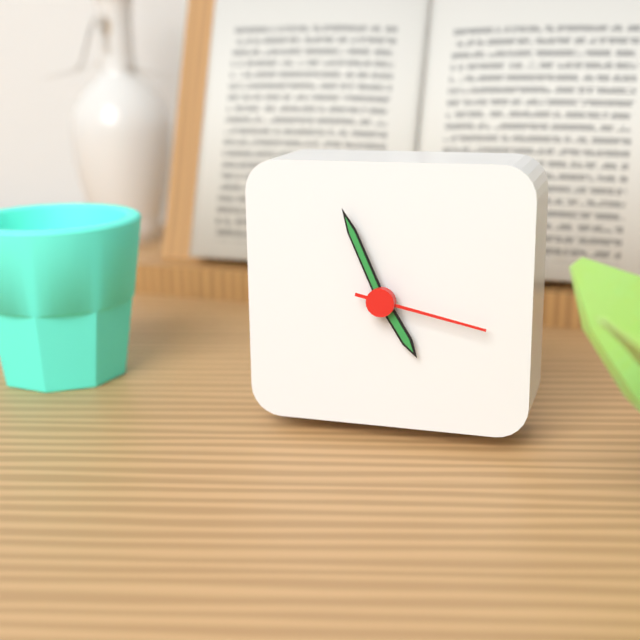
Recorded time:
4,56,17
